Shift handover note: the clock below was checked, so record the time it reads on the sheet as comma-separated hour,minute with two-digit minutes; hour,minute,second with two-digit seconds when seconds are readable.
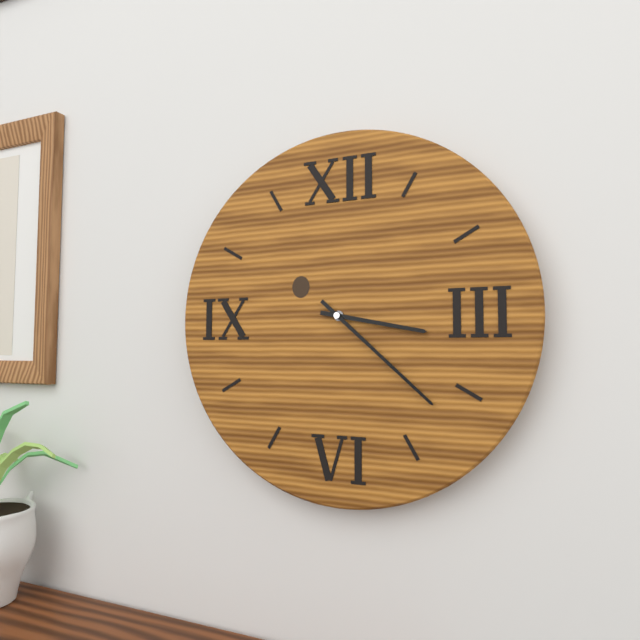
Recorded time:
3,22
